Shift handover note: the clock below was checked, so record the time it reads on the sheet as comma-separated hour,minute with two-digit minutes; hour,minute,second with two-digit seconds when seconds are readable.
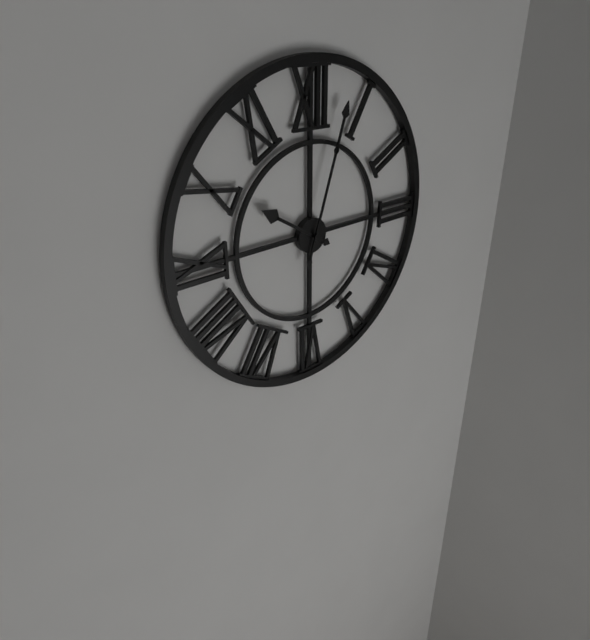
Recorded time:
10,03
